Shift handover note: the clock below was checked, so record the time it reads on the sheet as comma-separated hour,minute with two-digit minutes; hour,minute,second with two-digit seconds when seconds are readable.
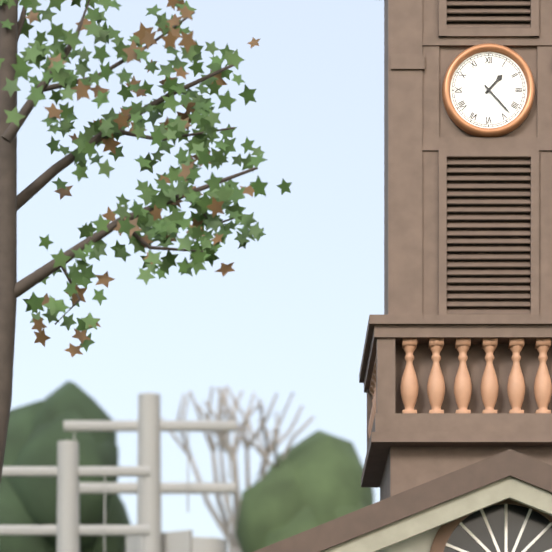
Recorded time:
1,23
